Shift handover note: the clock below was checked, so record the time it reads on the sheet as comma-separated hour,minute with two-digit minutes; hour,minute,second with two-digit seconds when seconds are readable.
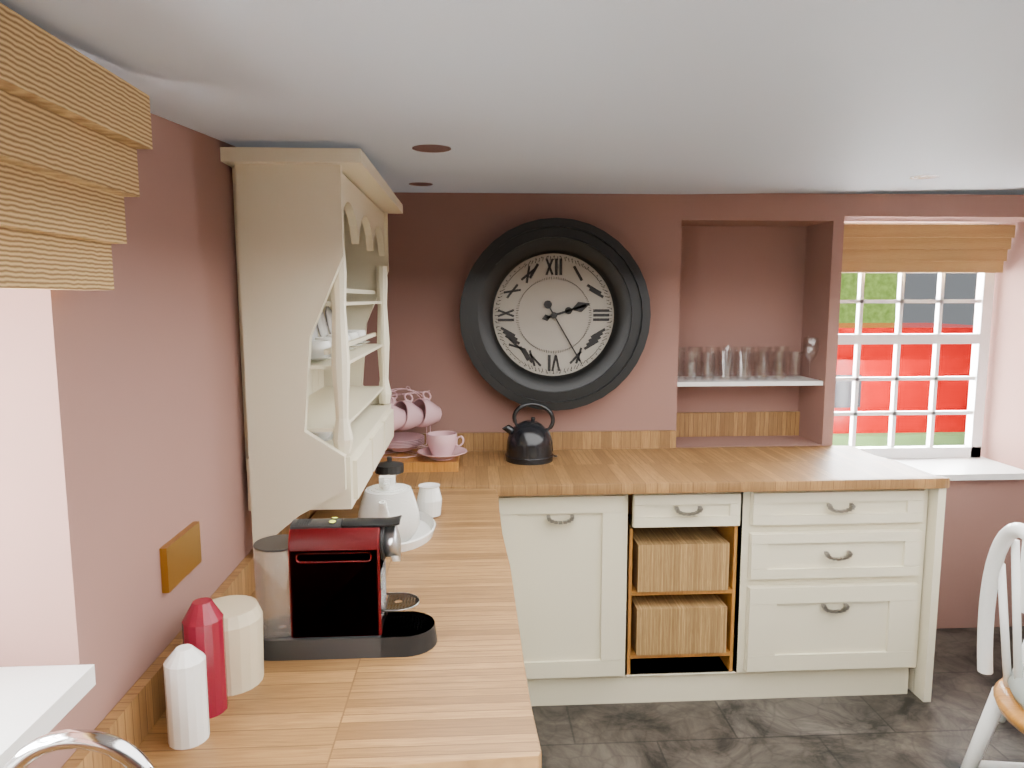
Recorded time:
2,25
